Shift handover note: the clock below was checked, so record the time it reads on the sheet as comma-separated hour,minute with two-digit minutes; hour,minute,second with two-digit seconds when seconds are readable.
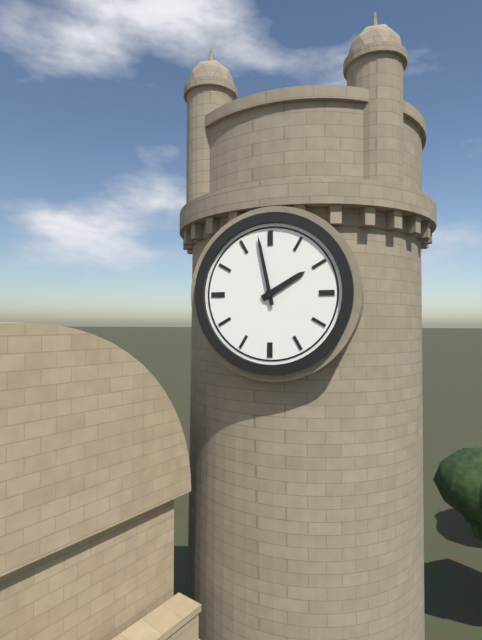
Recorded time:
1,58
